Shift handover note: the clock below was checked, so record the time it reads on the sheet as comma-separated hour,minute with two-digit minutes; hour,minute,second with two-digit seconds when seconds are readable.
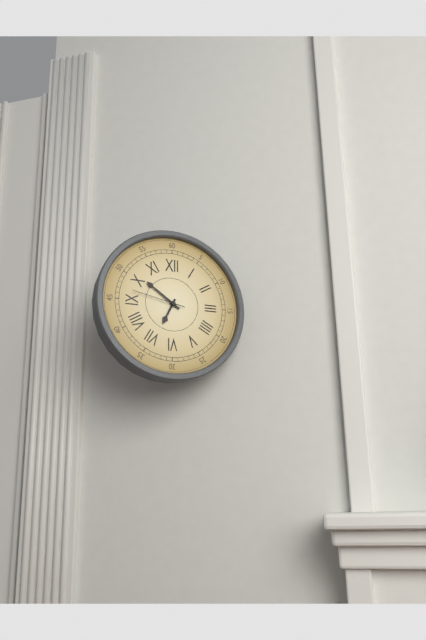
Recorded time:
6,51,47
